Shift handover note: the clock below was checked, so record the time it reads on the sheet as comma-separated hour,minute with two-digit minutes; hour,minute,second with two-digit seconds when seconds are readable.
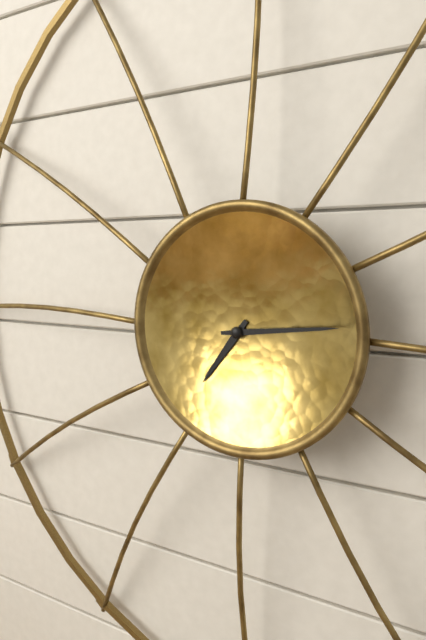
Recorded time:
7,14
